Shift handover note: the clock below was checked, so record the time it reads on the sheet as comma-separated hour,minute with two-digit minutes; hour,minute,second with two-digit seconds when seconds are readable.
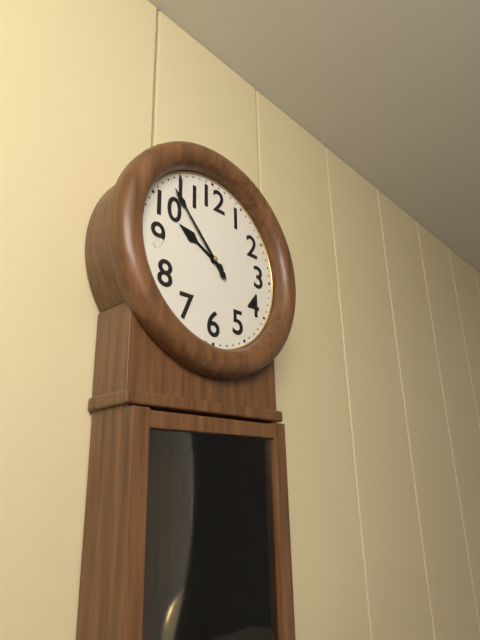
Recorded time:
9,53
